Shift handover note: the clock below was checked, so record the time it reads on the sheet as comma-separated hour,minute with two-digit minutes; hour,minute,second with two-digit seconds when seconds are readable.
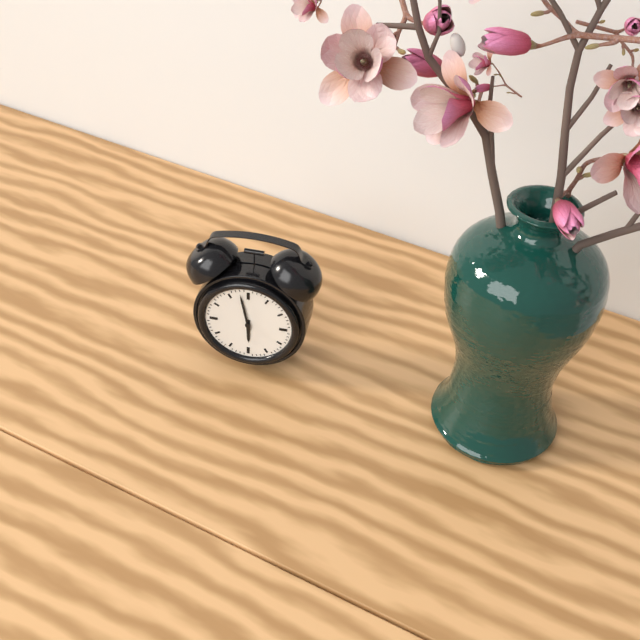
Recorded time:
5,58
